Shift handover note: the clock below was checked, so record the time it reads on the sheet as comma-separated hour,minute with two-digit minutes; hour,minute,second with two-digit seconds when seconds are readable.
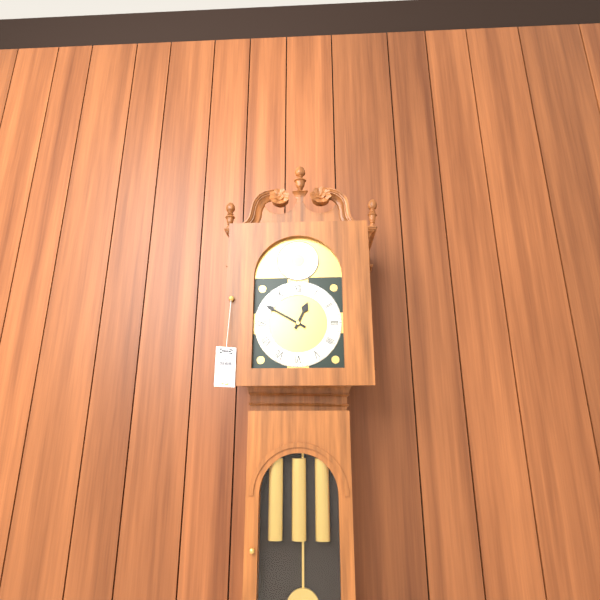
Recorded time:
12,50
